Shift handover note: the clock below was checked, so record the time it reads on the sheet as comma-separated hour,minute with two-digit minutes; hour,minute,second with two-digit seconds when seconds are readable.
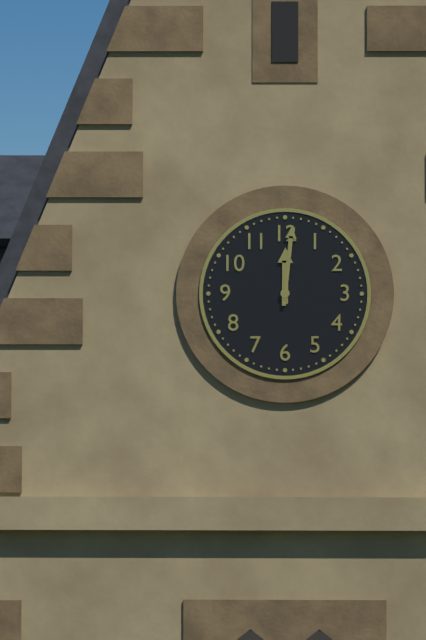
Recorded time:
12,01
